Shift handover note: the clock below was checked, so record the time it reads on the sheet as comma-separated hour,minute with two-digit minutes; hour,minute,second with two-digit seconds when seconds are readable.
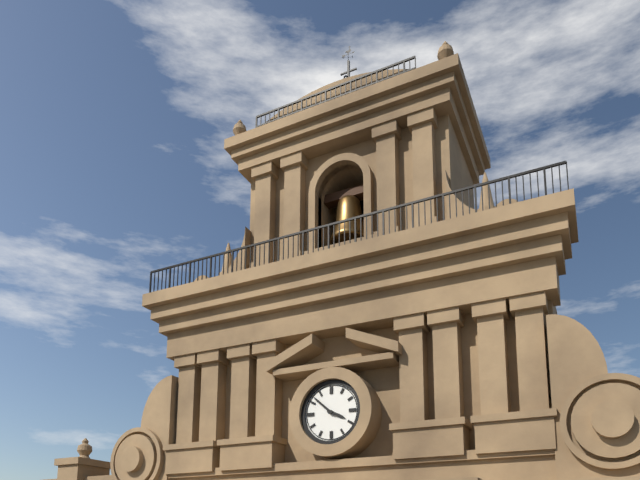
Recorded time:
3,52
